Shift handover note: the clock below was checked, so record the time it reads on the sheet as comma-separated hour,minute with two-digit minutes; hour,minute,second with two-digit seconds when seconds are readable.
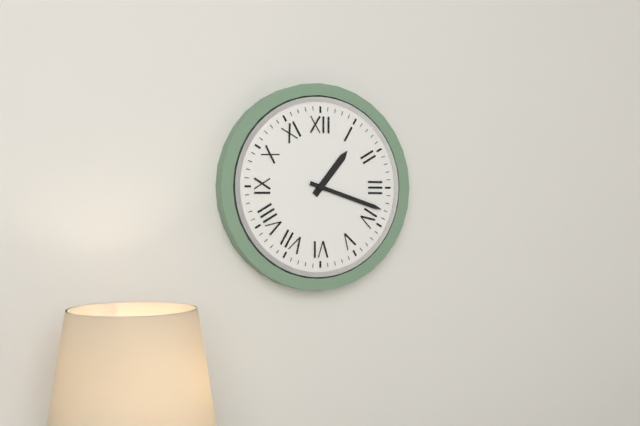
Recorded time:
1,18
